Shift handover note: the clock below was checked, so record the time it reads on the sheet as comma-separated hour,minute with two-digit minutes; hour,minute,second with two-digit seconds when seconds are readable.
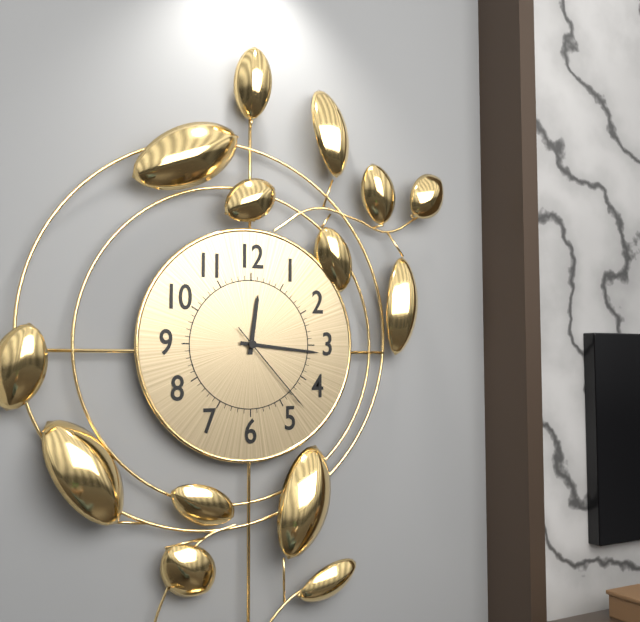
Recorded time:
12,16,23
